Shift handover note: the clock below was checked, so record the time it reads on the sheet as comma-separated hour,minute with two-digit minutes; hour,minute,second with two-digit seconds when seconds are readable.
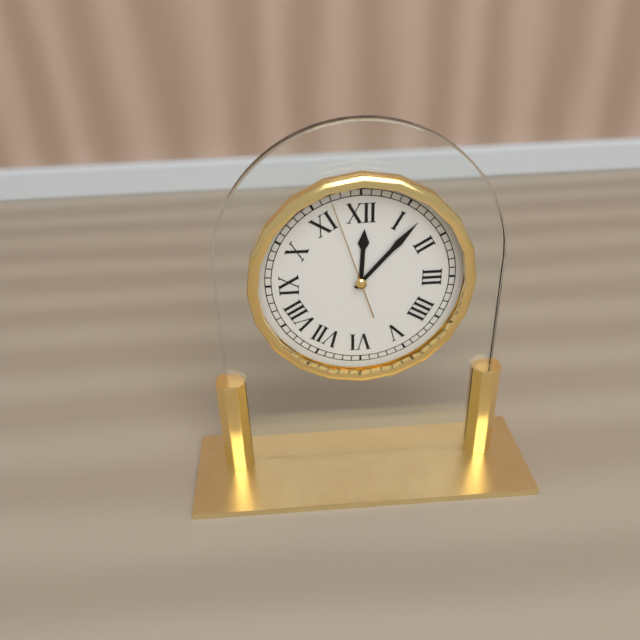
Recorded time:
12,07,57
